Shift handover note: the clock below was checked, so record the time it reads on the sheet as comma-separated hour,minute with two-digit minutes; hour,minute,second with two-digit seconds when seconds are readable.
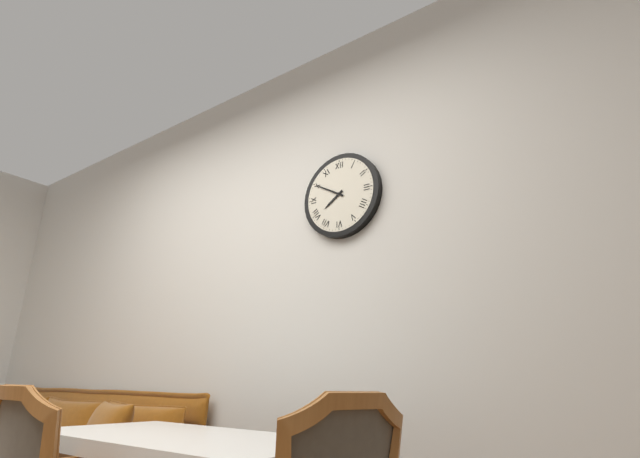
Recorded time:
7,50
